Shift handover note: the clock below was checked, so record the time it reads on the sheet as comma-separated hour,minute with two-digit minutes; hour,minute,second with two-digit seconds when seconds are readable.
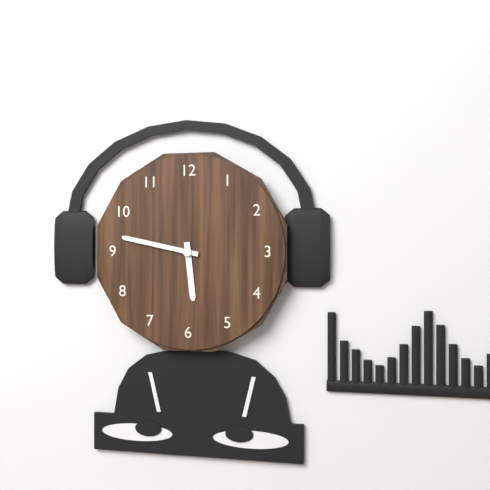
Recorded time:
5,47
